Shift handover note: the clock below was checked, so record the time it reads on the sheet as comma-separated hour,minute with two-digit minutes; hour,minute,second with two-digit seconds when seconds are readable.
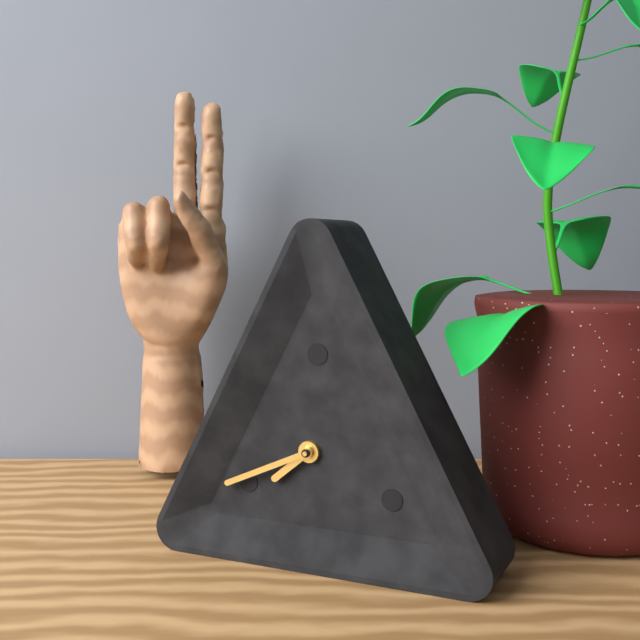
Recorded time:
7,41
